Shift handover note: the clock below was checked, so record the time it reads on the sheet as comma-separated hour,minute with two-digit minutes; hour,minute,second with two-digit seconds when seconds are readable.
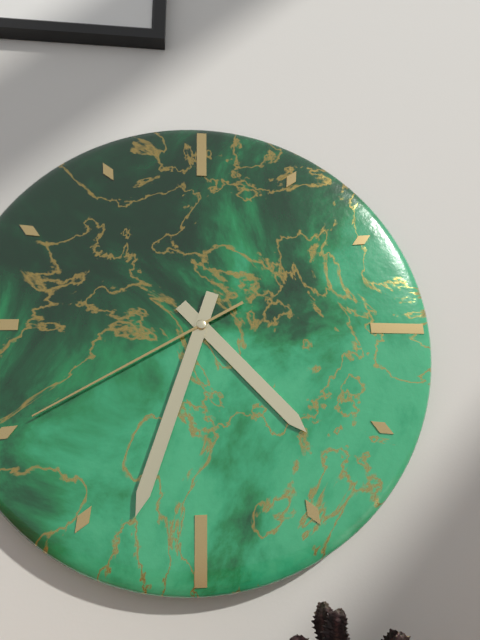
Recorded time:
4,33,40
